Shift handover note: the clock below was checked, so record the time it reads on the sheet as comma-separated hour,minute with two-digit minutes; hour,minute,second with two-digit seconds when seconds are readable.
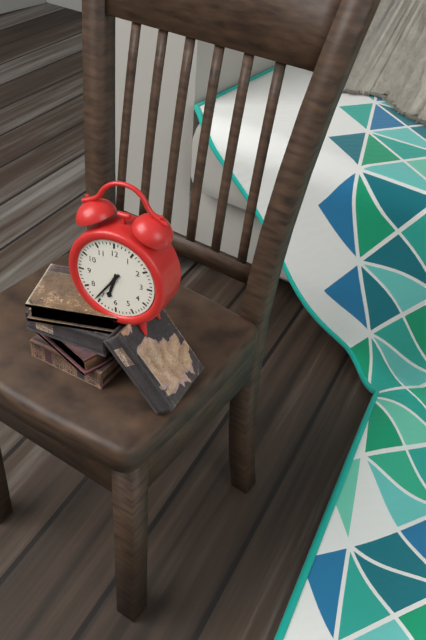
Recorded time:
6,36
